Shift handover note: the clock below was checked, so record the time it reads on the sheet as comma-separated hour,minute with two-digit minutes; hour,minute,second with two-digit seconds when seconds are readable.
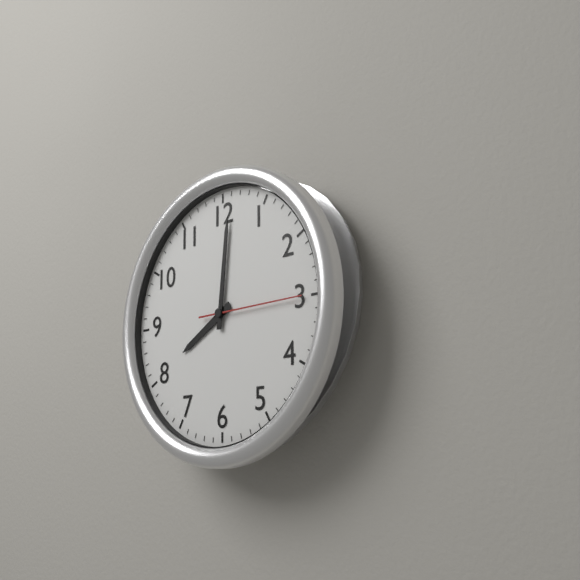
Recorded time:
8,01,15
